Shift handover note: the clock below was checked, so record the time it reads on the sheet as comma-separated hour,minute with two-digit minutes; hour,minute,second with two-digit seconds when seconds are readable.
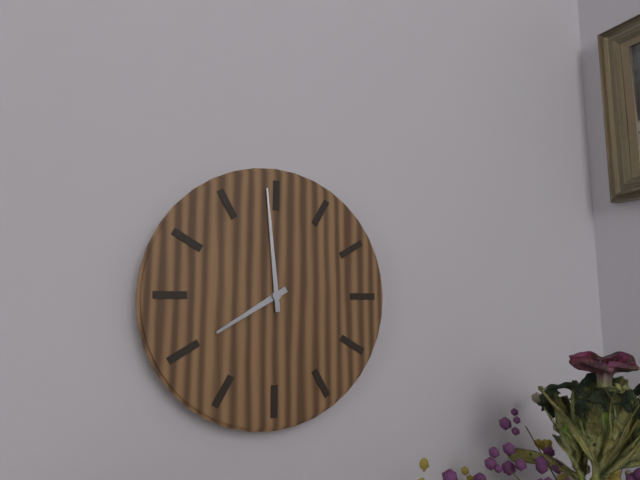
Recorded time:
7,59
